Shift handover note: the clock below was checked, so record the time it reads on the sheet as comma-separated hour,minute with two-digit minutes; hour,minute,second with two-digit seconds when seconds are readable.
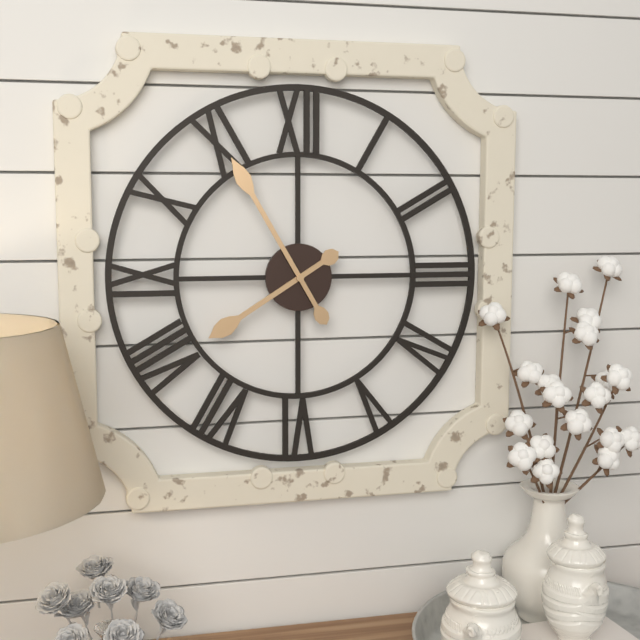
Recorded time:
7,55
